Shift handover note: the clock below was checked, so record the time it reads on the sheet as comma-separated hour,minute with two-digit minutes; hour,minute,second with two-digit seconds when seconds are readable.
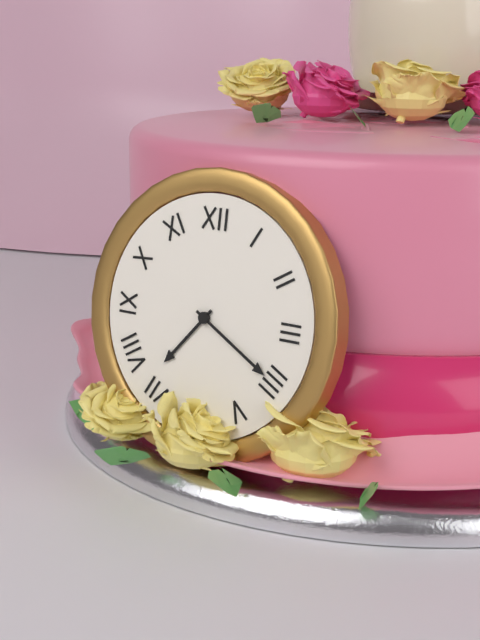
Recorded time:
7,20
